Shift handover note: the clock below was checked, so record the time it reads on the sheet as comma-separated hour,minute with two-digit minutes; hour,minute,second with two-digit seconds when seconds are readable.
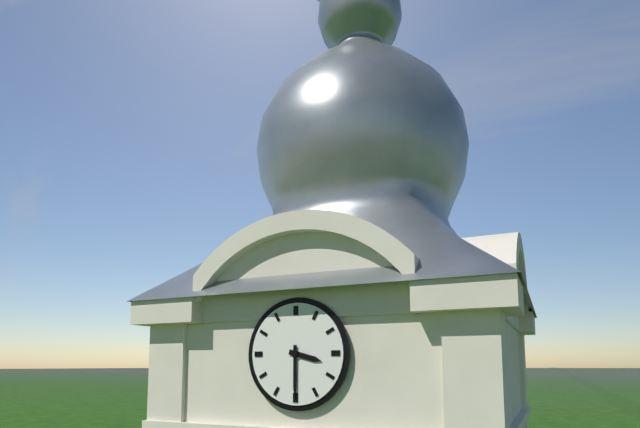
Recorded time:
3,30
